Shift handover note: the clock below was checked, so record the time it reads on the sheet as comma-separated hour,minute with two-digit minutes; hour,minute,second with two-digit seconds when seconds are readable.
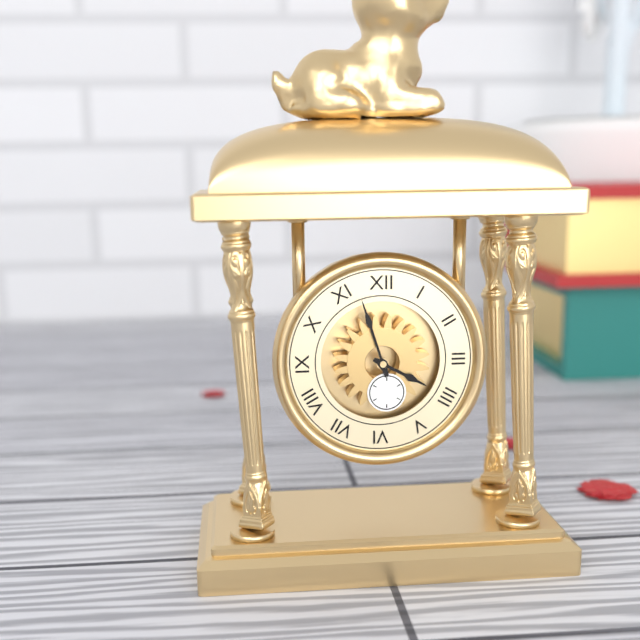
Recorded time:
3,57
